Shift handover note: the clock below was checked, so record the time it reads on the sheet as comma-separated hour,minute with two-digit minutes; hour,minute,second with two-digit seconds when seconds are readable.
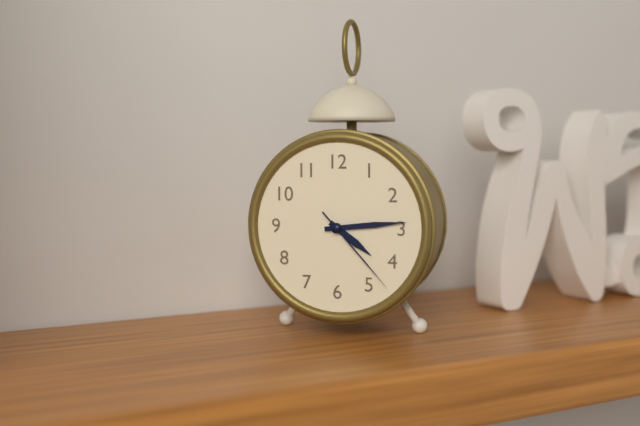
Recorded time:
4,14,23
